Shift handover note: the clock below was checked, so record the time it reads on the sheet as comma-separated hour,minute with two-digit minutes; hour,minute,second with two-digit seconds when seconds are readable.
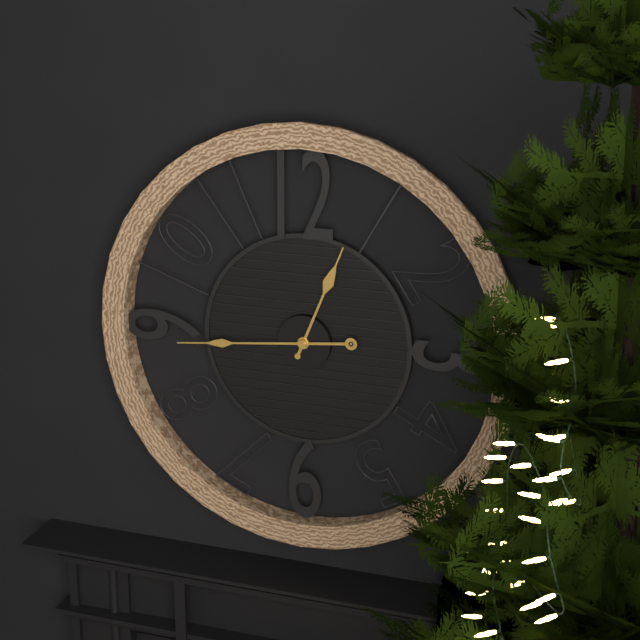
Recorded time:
12,44
